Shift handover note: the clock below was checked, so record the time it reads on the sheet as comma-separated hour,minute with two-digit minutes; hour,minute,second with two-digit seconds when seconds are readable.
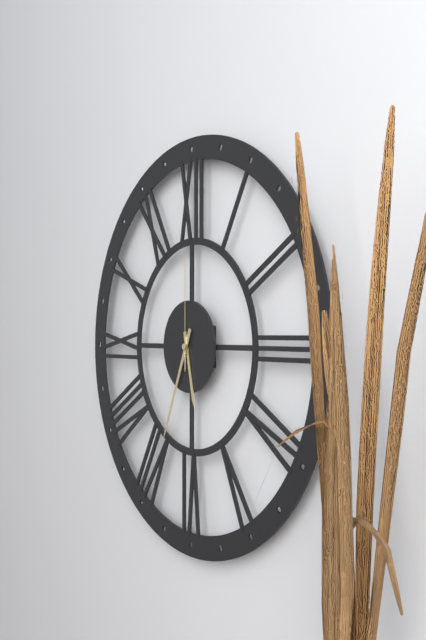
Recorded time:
5,34,00
